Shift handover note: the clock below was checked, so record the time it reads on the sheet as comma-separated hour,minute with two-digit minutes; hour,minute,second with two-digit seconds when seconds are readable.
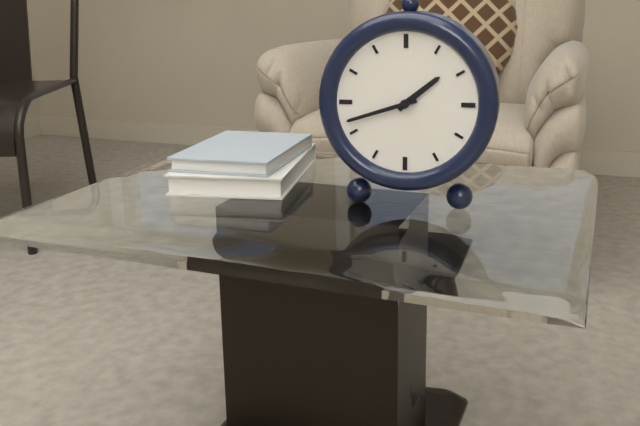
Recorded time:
1,42
